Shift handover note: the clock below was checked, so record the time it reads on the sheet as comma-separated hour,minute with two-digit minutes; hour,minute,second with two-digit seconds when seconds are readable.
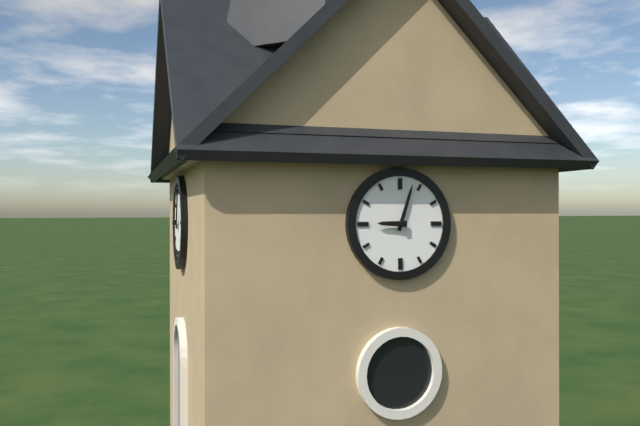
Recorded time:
9,03
